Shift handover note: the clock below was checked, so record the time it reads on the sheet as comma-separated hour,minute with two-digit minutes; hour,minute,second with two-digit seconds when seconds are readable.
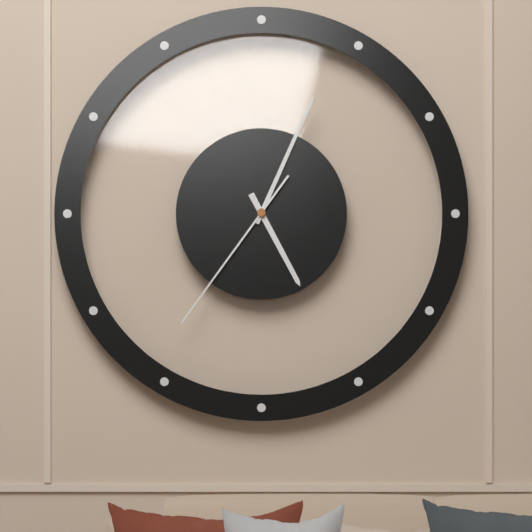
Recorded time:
5,04,36
